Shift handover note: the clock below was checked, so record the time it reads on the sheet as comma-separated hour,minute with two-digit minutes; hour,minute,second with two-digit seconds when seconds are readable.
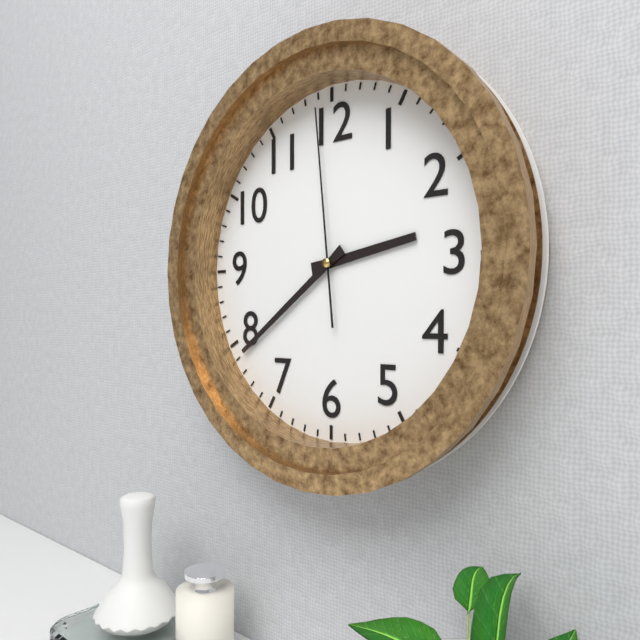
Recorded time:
2,39,59
